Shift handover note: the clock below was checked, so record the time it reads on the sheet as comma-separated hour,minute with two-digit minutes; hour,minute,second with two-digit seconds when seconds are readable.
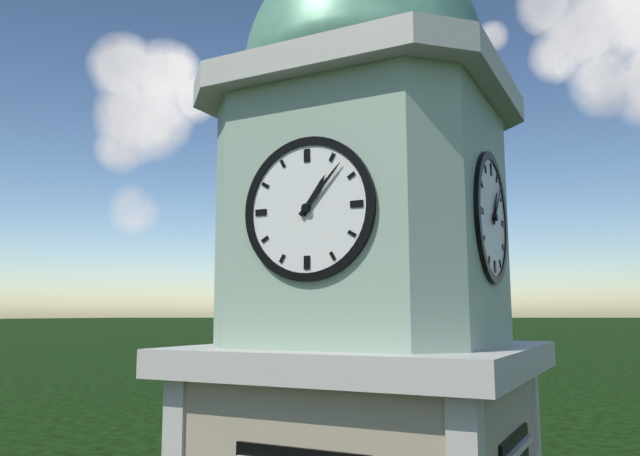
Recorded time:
1,07
